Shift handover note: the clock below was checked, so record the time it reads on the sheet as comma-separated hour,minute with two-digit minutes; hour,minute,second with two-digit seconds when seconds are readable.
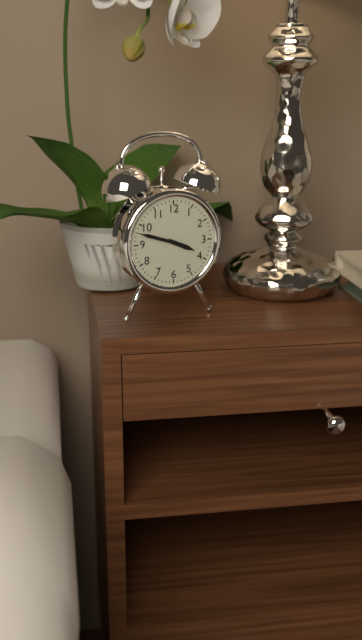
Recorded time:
3,48
